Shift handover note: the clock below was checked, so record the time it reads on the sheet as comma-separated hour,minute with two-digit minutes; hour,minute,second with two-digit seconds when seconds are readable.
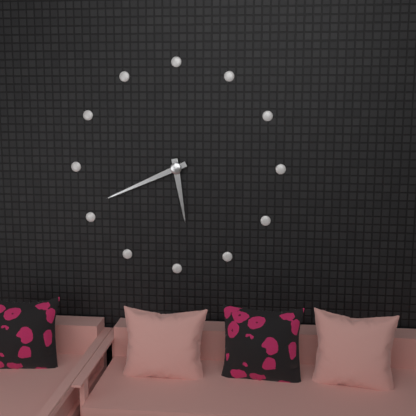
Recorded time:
5,41
